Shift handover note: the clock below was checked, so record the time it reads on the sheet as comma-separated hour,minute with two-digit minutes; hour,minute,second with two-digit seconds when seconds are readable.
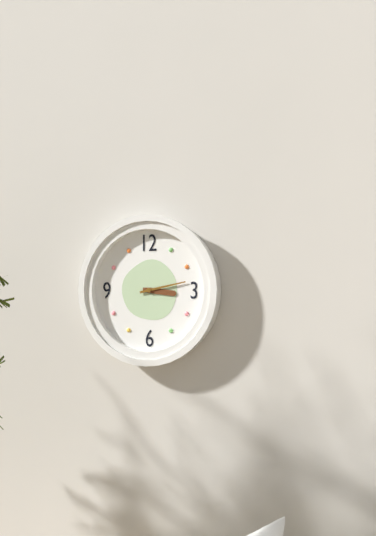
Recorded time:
3,13
